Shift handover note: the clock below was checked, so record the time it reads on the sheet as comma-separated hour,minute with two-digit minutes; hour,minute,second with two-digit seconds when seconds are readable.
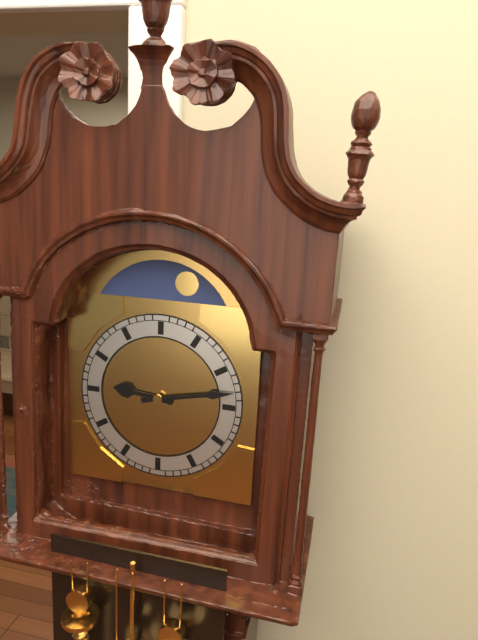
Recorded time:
9,13
